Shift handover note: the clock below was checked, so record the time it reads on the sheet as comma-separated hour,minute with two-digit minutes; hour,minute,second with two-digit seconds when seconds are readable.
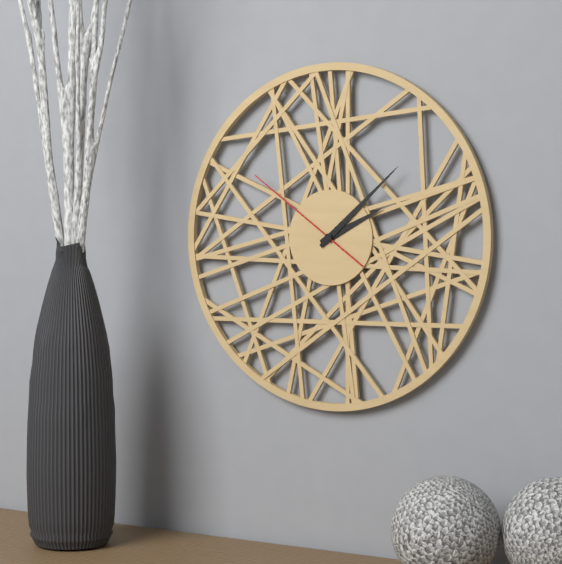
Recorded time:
2,08,51
